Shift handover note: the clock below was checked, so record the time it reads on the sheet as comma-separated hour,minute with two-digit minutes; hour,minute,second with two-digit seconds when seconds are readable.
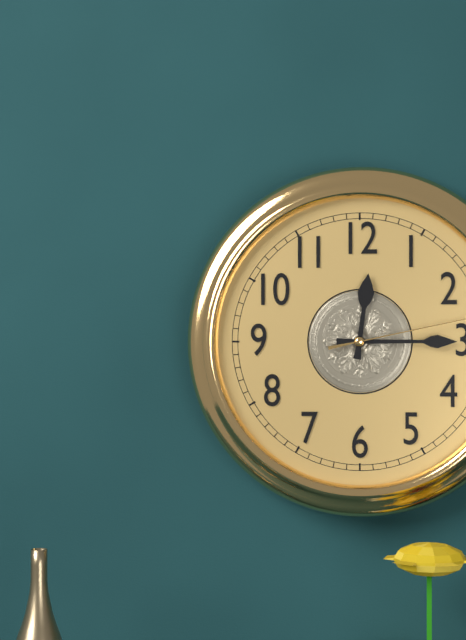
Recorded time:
12,15
